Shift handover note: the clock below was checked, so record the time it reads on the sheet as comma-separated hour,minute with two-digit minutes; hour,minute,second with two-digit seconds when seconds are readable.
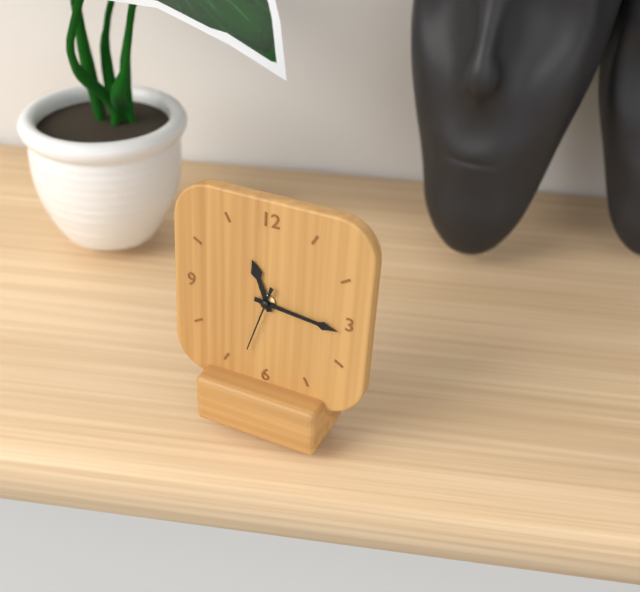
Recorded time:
11,16,33
